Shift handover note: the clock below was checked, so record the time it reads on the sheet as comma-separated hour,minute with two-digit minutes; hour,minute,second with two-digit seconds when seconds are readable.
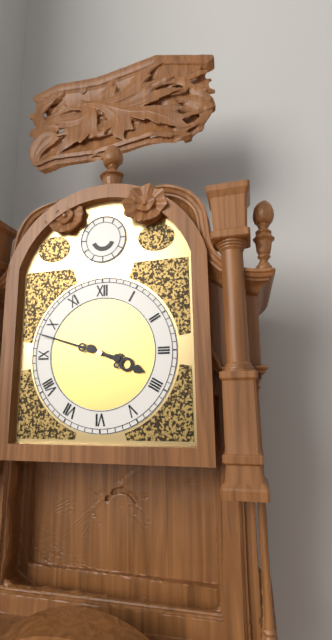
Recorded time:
3,48
